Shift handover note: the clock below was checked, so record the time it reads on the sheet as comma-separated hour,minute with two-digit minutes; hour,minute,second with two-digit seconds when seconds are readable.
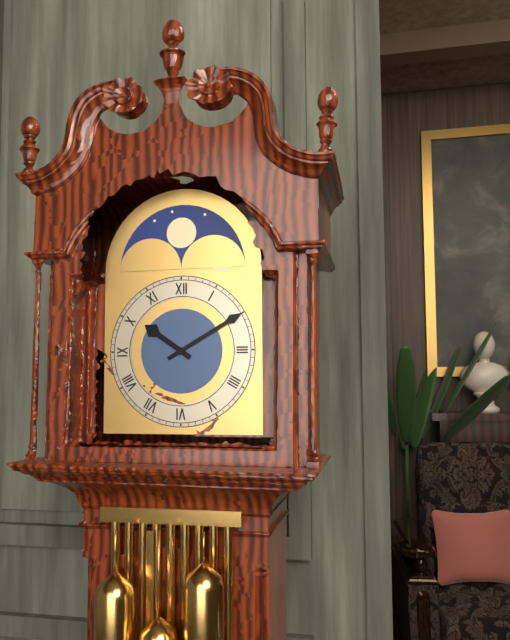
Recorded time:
10,10
